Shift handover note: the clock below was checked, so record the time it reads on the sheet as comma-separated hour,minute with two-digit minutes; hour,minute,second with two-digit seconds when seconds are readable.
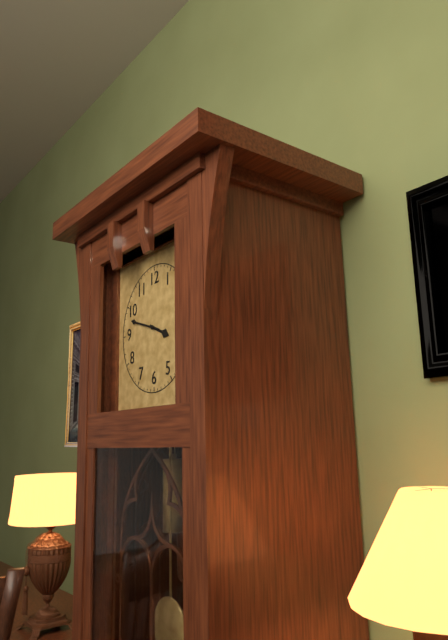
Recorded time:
3,48
